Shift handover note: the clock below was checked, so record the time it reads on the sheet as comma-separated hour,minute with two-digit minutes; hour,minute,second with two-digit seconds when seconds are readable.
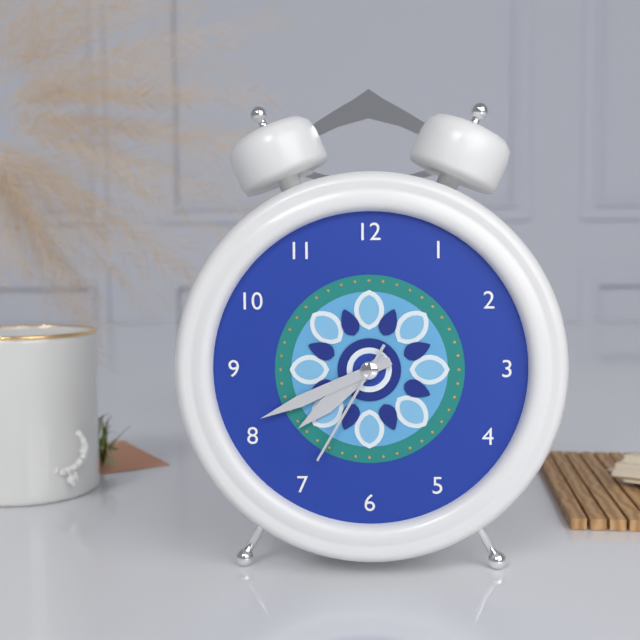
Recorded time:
7,41,35
